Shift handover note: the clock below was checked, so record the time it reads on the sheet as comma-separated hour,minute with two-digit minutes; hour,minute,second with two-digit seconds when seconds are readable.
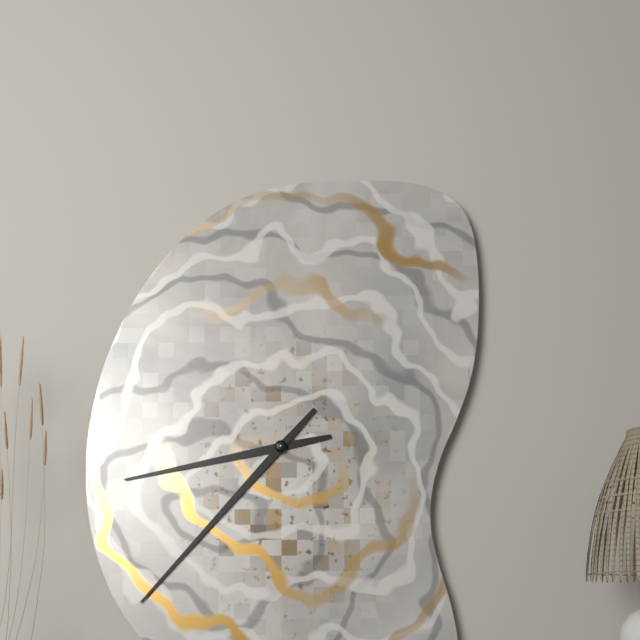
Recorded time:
8,37
